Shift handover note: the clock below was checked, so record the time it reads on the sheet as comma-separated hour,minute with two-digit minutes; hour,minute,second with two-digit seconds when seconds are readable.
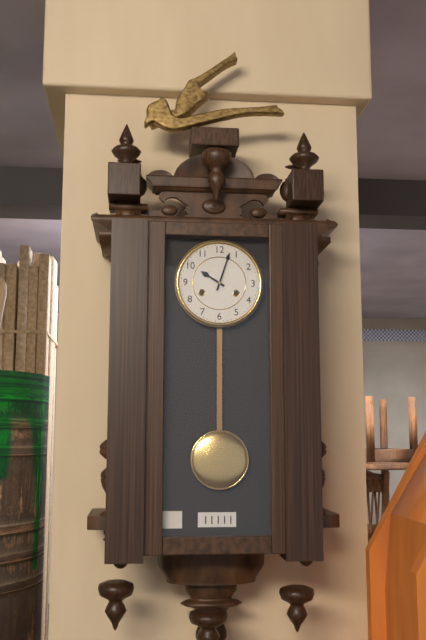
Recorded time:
10,03
